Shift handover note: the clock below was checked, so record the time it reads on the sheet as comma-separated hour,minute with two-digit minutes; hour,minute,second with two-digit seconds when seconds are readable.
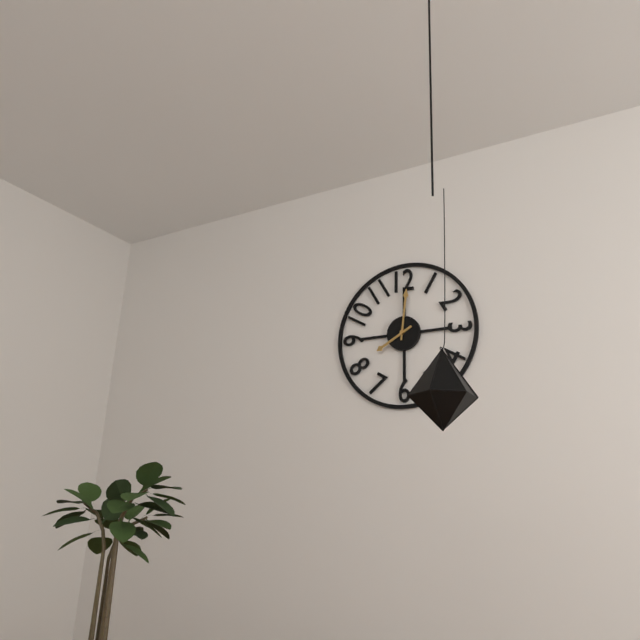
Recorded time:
8,01
